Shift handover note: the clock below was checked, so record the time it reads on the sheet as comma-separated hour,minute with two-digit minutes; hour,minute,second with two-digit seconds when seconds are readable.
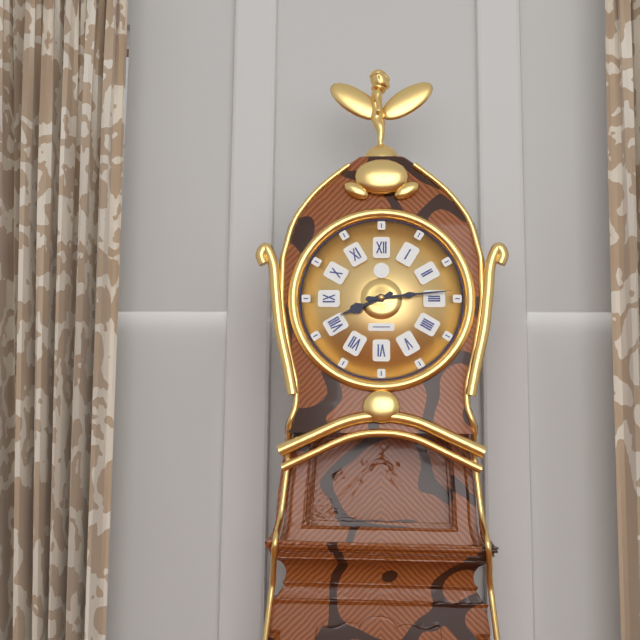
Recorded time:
8,14
